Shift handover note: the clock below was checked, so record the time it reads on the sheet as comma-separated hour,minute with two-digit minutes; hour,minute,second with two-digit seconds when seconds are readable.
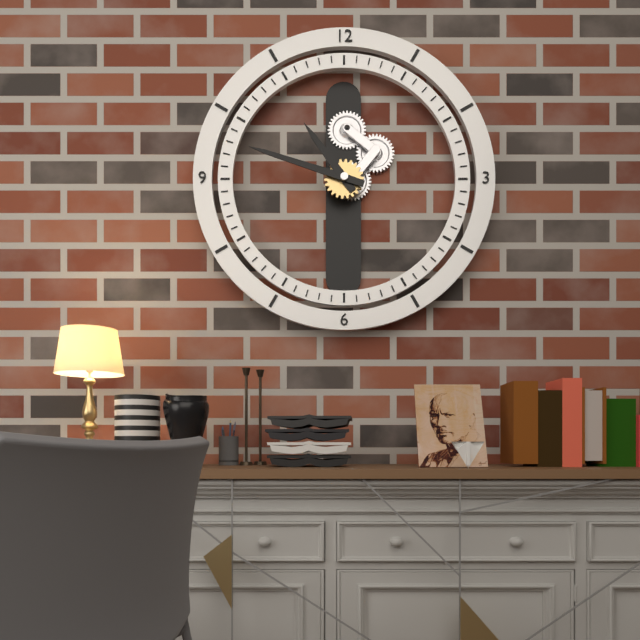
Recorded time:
10,48
